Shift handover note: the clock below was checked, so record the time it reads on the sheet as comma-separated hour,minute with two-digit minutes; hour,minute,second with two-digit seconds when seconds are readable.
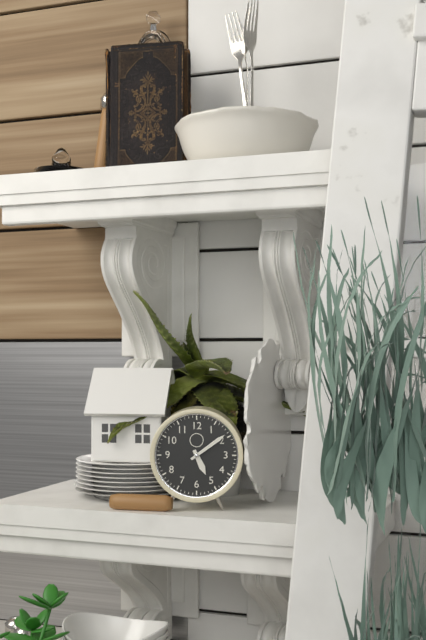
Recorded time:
5,09
